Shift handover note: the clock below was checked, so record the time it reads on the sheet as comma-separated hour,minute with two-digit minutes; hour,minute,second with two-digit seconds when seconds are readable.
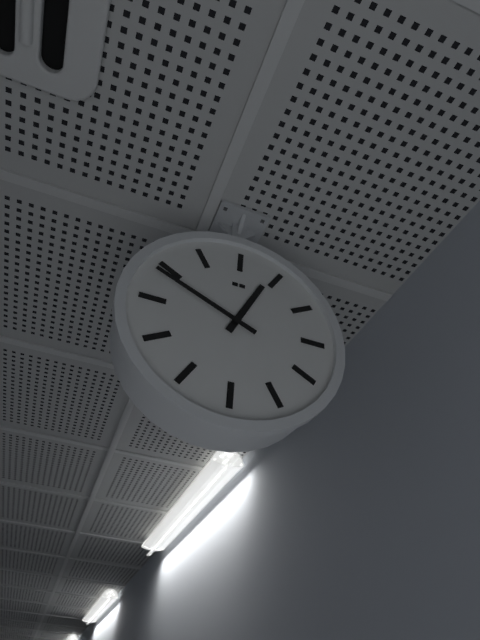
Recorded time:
12,49
